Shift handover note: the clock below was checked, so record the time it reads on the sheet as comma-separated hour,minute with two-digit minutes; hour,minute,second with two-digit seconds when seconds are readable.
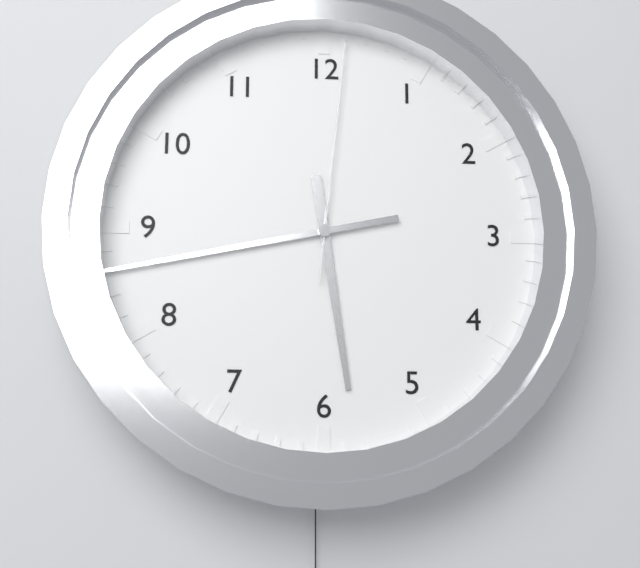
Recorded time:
5,43,01
